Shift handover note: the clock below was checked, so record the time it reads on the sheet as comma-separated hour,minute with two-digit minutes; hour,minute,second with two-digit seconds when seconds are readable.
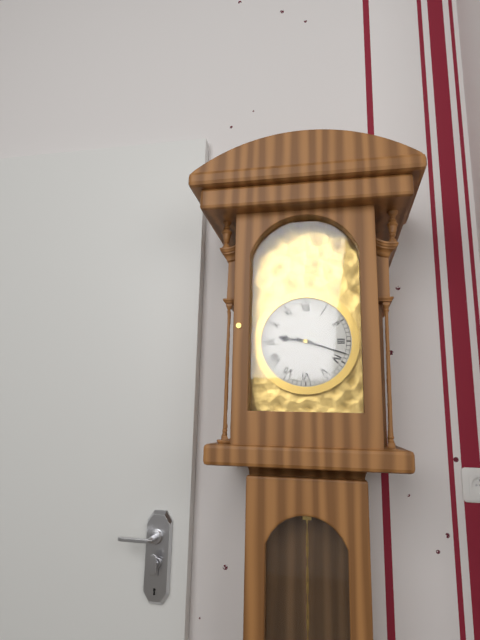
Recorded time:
9,18
